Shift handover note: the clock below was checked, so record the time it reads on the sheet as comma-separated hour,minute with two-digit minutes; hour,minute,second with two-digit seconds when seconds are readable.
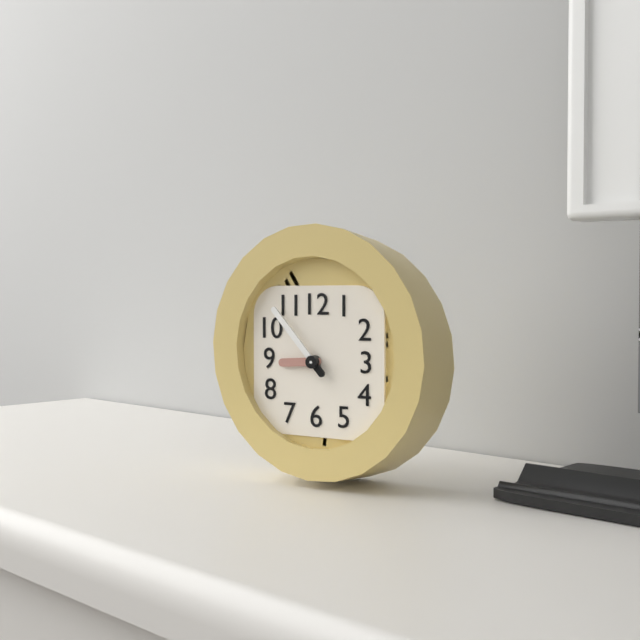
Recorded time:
8,53
